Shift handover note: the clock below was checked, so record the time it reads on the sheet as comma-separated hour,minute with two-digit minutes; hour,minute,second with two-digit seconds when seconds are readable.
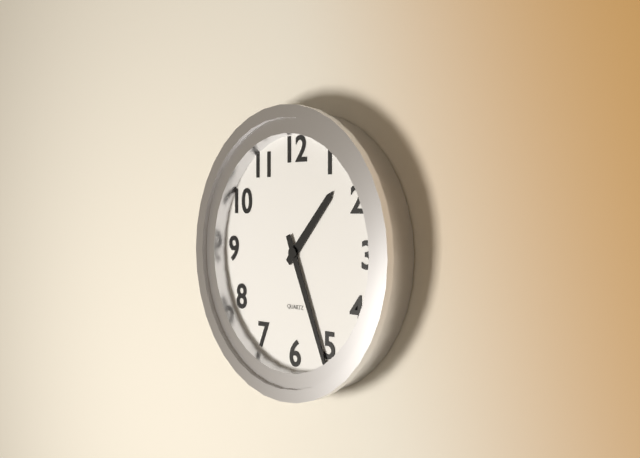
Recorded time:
1,26
